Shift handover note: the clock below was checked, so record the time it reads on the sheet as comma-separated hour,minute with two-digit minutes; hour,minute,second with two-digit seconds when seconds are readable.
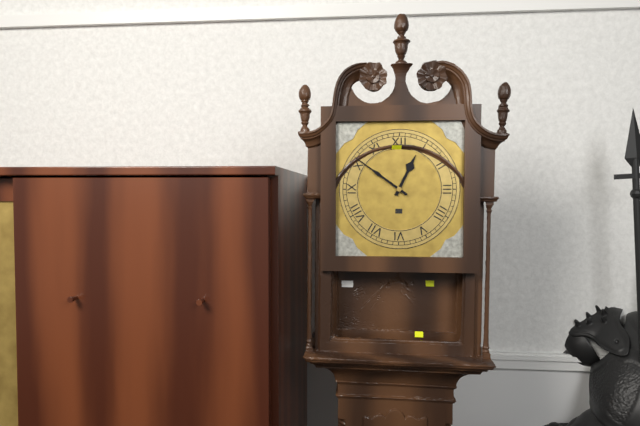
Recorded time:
12,51
